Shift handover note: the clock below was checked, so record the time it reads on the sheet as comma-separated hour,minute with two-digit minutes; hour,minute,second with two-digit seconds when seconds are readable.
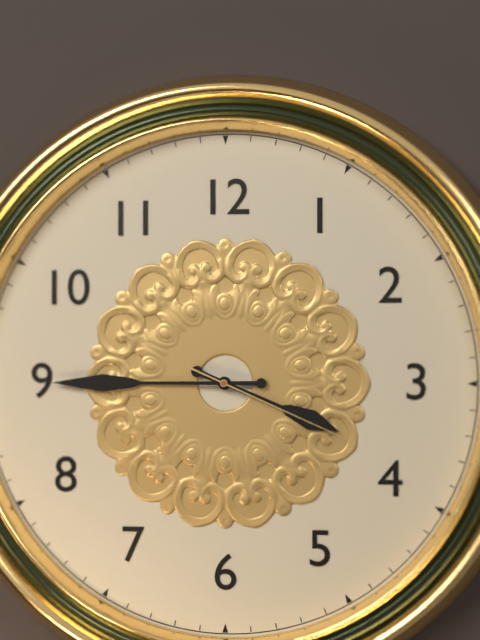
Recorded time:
3,45,19
